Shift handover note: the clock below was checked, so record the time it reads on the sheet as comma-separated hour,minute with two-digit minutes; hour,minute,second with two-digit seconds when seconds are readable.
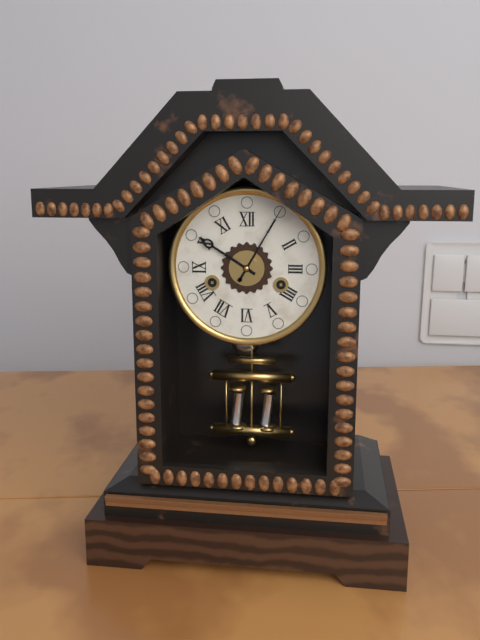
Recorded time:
10,05
